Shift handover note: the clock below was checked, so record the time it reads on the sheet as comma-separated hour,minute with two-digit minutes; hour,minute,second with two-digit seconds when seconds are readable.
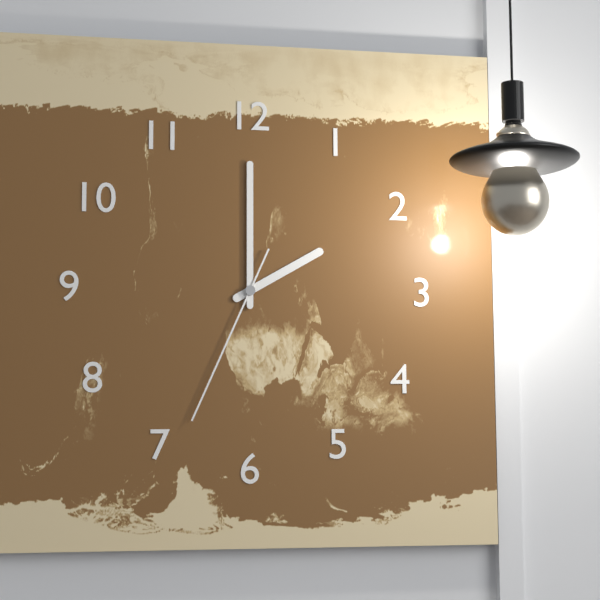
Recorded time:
2,00,34
